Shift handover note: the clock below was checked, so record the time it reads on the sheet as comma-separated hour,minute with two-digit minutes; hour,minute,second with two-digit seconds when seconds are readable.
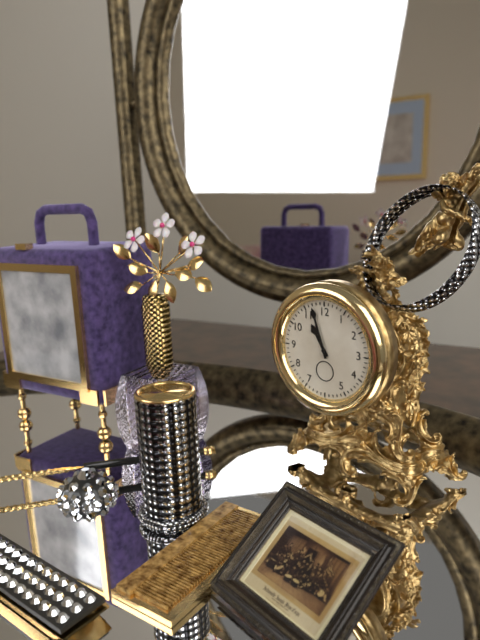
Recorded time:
10,57
